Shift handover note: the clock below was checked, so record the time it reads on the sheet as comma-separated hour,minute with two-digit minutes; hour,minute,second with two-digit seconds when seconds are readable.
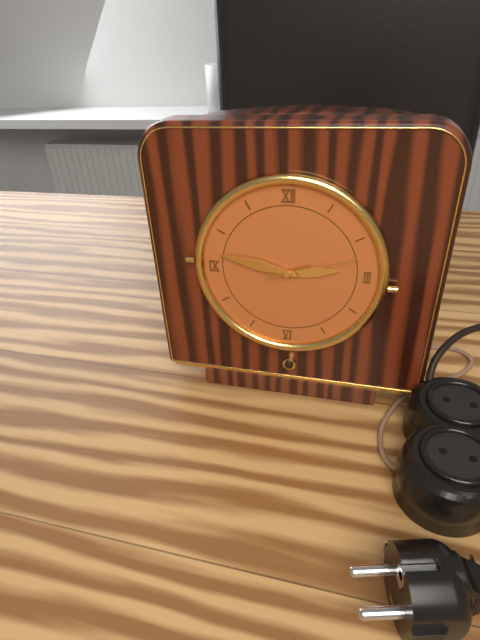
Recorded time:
2,47,12
